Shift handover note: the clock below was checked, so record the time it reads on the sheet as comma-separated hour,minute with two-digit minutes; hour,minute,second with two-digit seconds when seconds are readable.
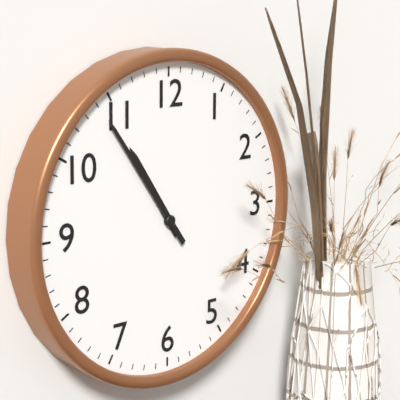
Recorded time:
10,54
